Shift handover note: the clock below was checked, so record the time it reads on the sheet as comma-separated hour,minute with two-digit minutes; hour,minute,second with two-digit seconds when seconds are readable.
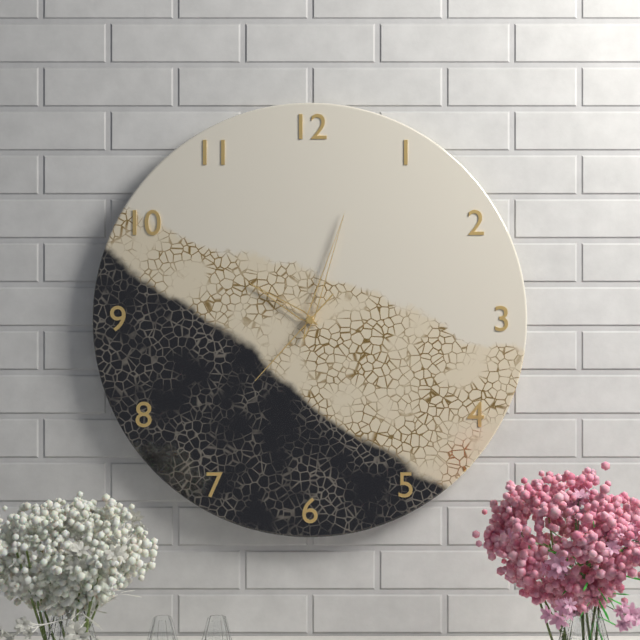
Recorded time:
10,03,37
